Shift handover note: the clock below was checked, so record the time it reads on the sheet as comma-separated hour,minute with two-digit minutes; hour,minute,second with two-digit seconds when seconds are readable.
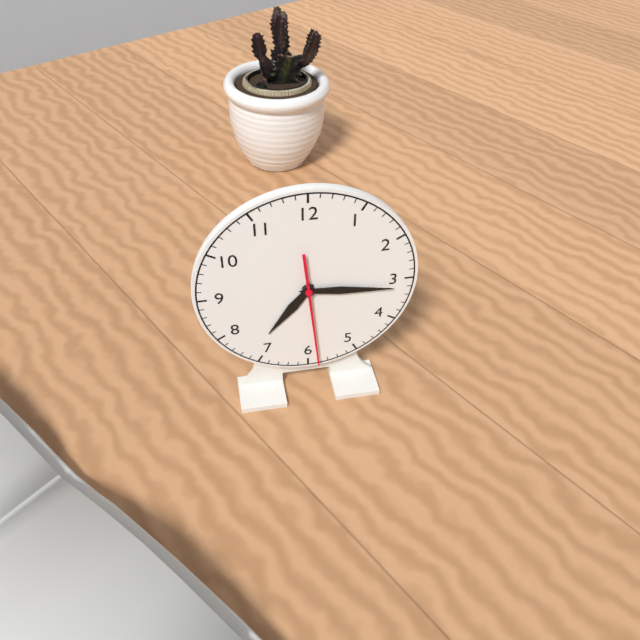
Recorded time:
7,16,29
